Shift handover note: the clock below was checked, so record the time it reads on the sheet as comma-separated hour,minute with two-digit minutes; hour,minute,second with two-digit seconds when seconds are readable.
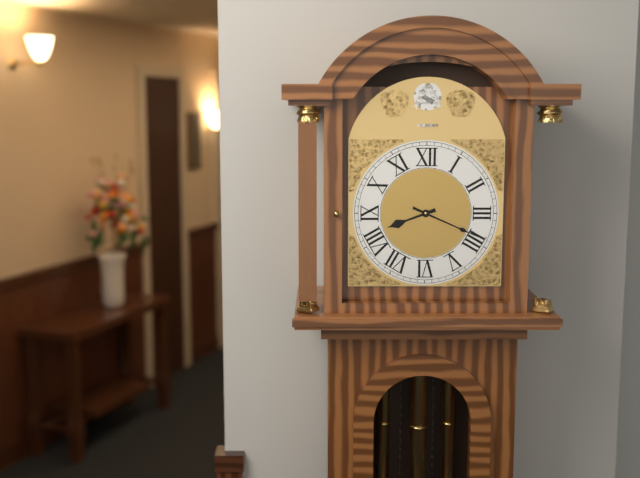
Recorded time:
8,19
